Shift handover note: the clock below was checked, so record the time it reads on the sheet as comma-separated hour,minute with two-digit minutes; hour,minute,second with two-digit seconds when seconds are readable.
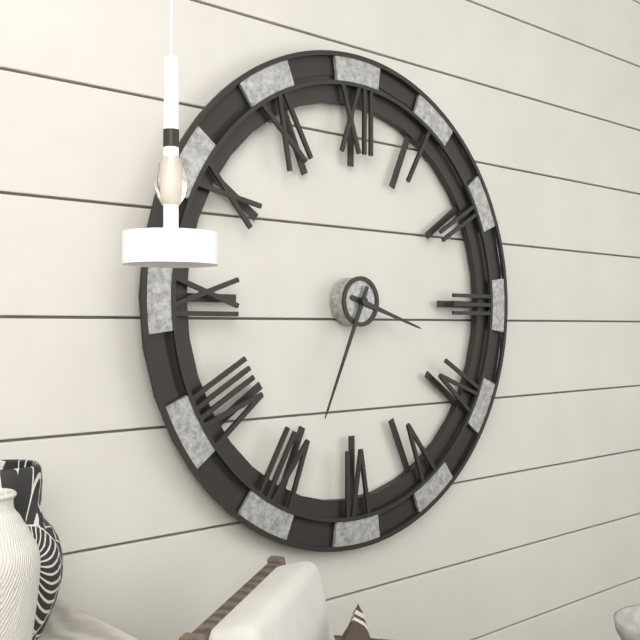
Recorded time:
3,34
